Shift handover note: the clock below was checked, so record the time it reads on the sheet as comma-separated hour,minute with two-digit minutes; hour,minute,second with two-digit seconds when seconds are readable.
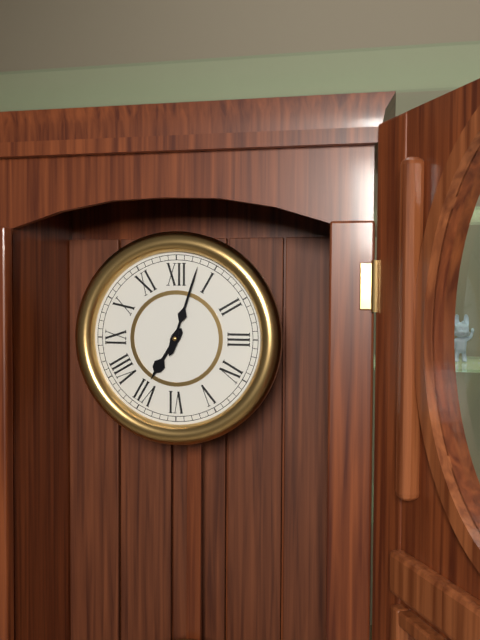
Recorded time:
7,03
